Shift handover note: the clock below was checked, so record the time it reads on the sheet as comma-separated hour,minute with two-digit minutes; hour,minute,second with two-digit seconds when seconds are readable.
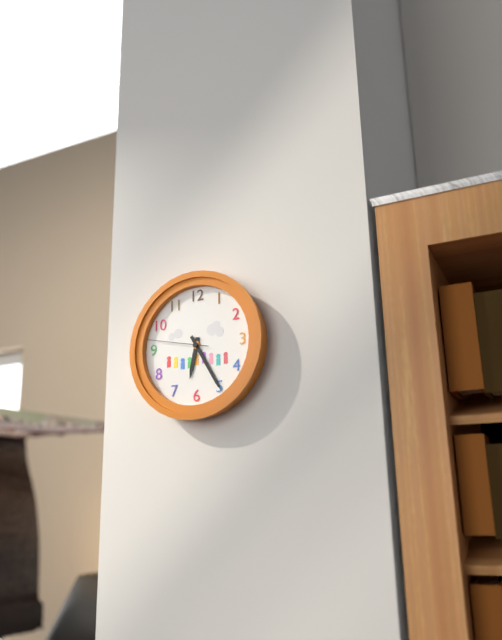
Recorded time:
6,25,47
